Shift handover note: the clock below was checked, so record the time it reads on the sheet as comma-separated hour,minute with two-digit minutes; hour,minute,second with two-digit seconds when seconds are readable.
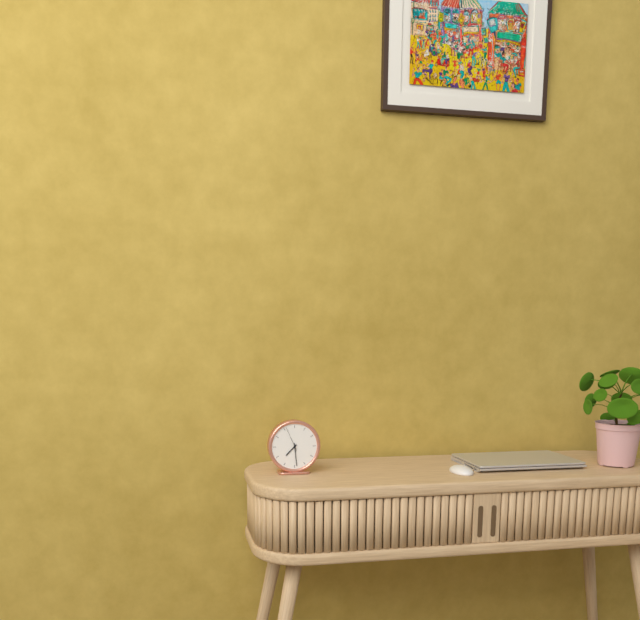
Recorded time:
7,29
